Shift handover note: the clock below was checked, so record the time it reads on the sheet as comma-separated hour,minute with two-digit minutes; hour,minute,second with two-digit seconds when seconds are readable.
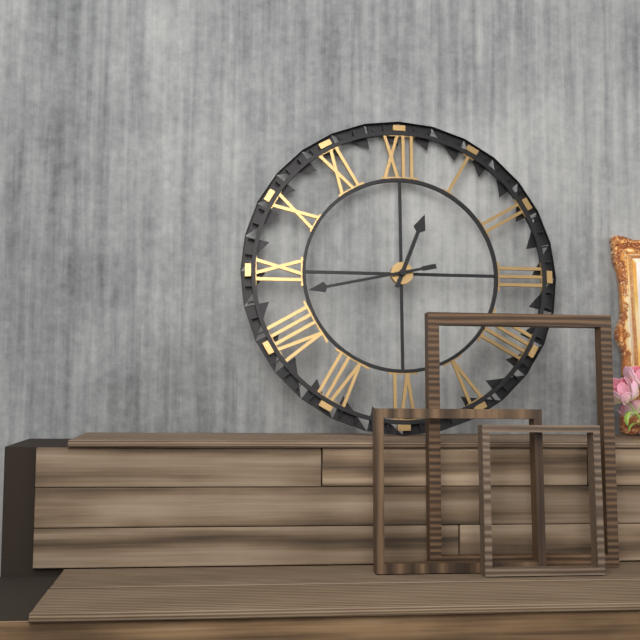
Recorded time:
12,43
